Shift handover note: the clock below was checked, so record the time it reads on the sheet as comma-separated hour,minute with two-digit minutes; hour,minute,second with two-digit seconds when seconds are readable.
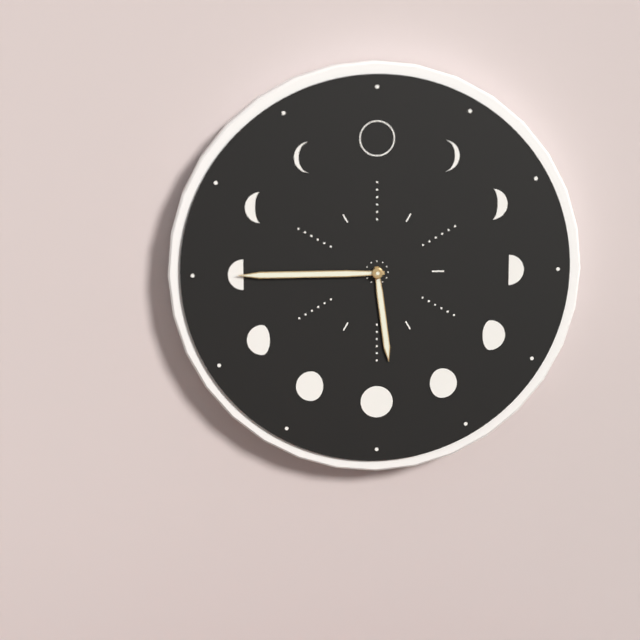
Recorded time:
5,45
